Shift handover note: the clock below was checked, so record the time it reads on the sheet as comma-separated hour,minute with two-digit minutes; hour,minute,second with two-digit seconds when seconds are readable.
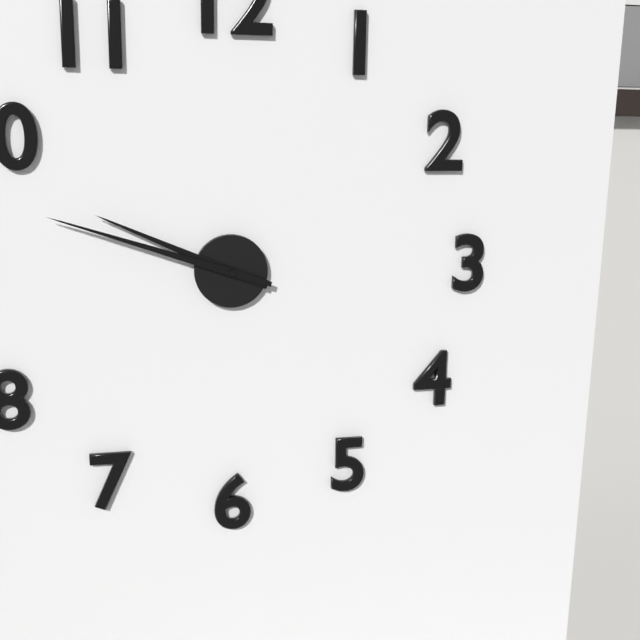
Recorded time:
9,48
